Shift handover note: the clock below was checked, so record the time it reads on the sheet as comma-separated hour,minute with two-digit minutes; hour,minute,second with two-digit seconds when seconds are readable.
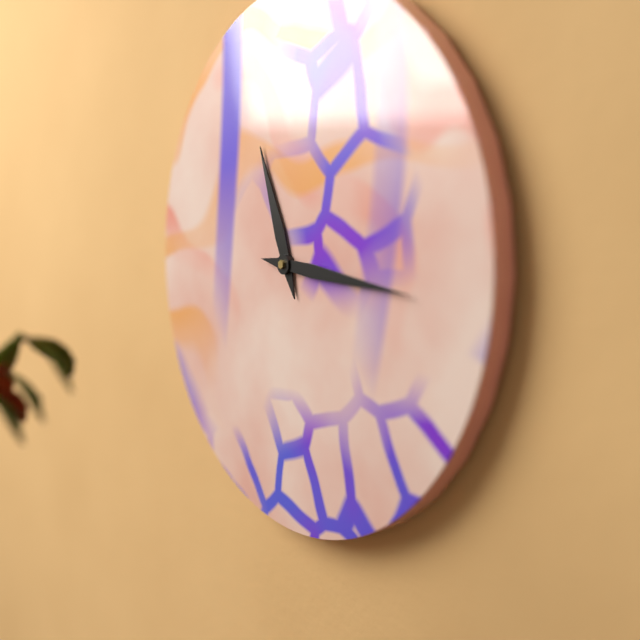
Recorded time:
11,16
